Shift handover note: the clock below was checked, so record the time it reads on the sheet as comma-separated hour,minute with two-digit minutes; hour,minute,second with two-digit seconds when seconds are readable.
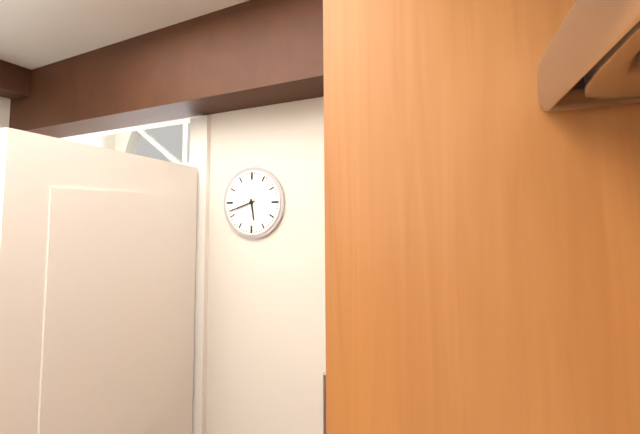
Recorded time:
5,42
